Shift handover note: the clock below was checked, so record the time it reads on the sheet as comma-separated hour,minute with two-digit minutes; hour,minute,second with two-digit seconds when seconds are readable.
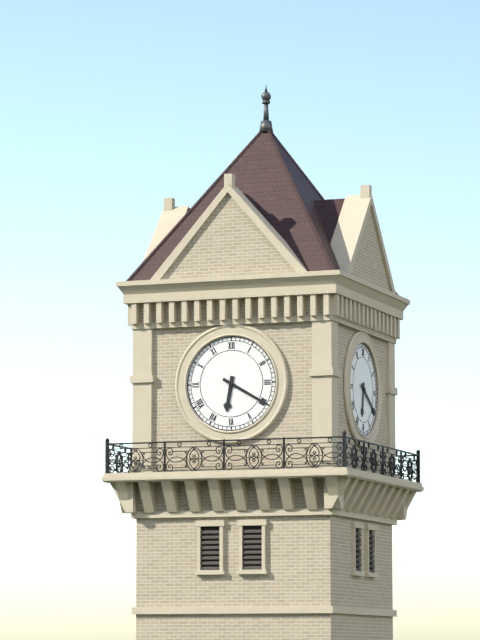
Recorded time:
6,20
